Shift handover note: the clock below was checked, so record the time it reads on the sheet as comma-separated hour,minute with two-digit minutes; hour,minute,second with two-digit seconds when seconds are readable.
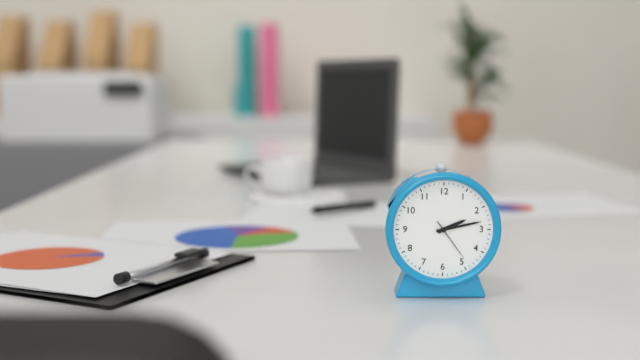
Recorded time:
2,13
